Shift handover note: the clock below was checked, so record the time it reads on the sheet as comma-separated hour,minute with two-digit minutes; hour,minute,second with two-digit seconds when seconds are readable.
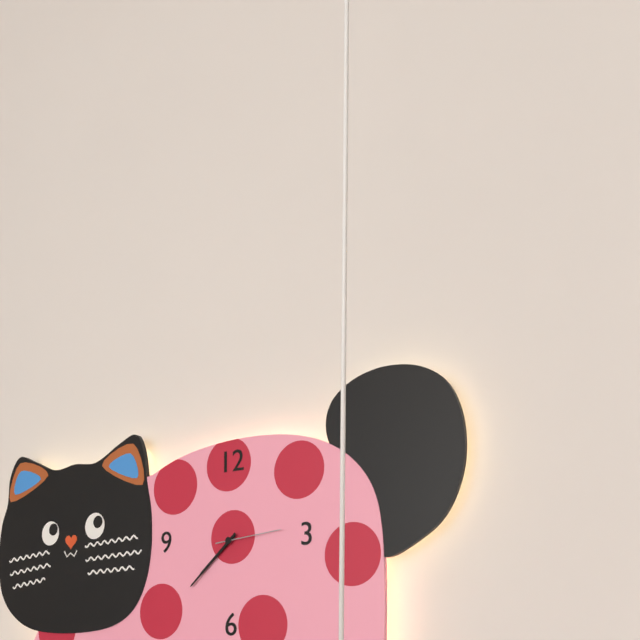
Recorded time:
7,38,14
